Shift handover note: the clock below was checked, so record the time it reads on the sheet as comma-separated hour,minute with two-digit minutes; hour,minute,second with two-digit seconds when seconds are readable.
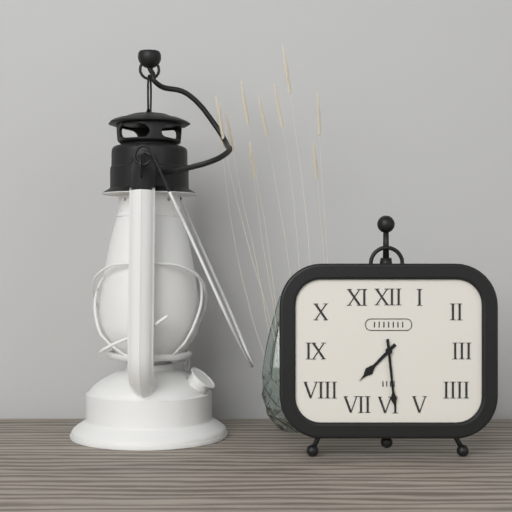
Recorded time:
7,29
